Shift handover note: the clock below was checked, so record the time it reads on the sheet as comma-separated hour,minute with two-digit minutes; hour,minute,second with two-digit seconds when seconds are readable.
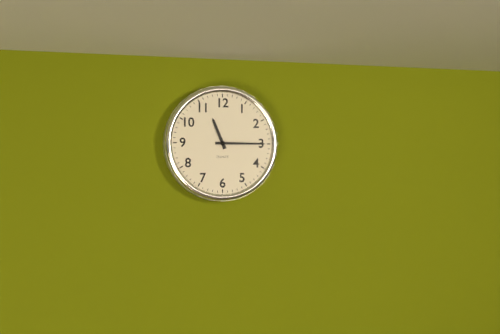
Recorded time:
11,15
